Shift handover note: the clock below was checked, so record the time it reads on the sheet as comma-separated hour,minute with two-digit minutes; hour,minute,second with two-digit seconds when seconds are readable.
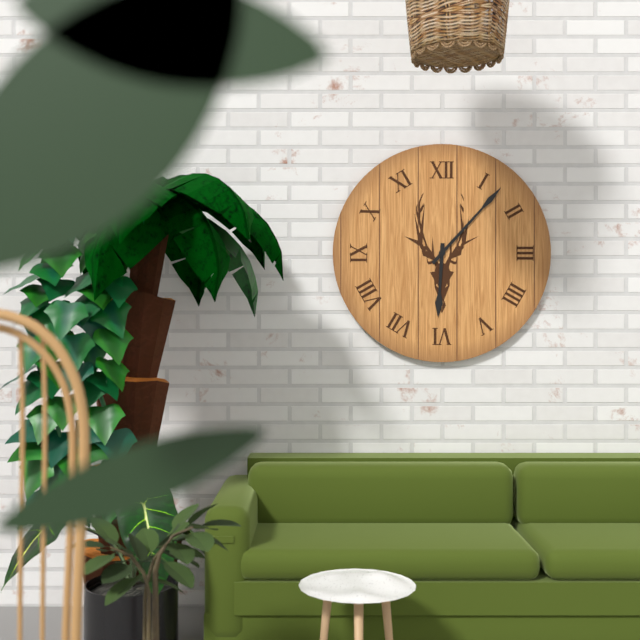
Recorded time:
6,07
